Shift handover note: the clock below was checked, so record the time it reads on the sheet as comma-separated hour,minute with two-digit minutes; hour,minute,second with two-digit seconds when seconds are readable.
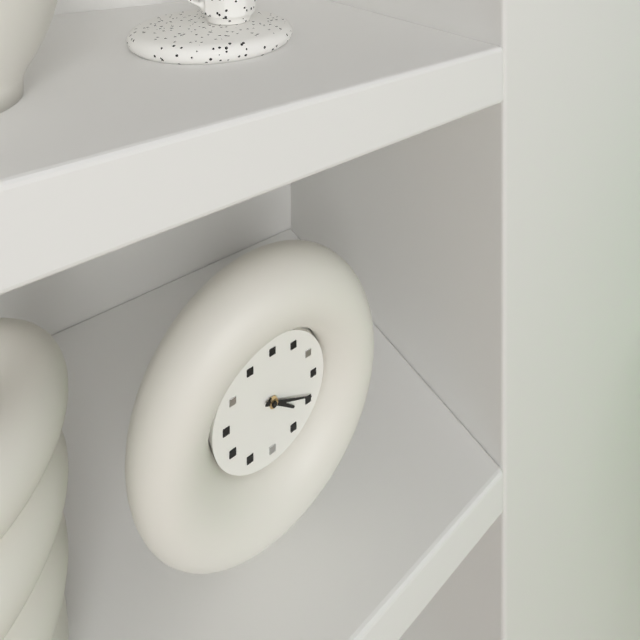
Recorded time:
4,19
